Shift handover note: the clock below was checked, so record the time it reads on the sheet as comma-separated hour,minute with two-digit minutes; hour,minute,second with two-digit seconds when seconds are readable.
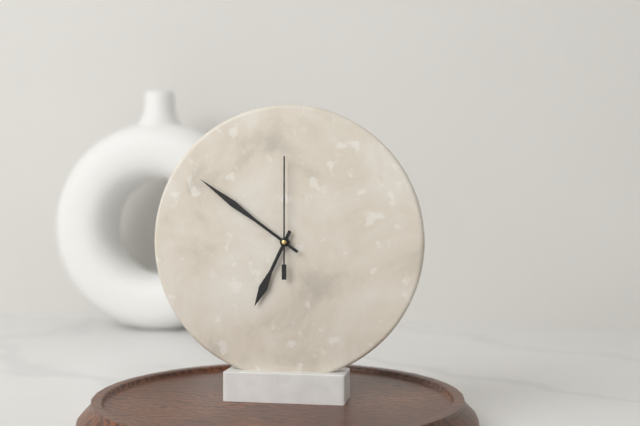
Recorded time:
6,51,00
